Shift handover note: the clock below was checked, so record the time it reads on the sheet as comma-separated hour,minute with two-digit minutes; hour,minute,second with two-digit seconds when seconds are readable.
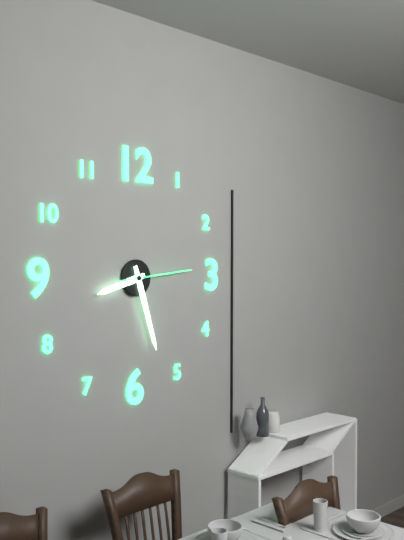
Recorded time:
8,27,14
